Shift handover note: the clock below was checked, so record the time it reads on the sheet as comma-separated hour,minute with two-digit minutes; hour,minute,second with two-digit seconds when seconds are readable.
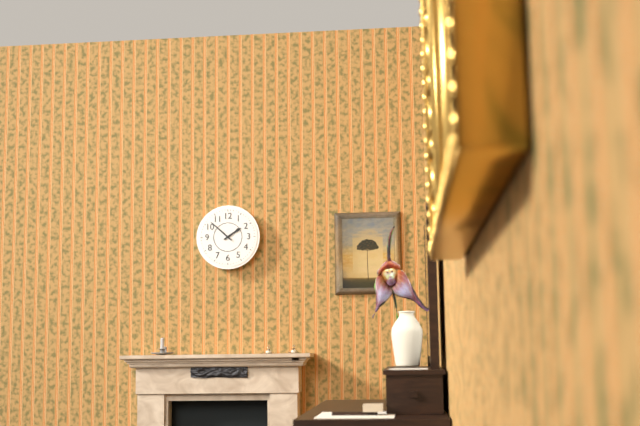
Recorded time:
1,52
